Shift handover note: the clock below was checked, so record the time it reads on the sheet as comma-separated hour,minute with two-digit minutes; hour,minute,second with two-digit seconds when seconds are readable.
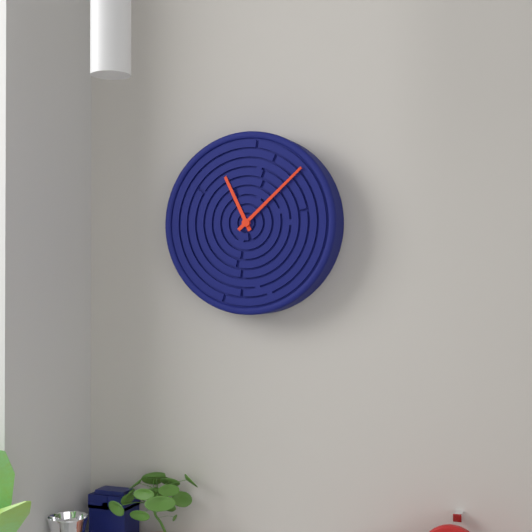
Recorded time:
11,08
